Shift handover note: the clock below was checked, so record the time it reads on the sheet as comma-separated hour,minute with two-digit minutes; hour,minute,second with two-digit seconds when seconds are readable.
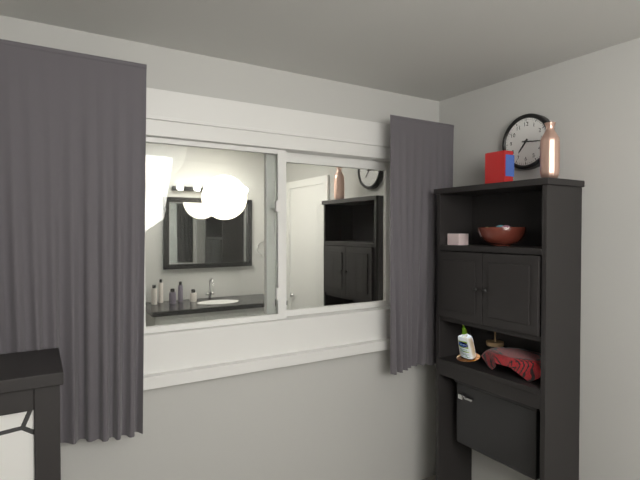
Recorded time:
7,16
